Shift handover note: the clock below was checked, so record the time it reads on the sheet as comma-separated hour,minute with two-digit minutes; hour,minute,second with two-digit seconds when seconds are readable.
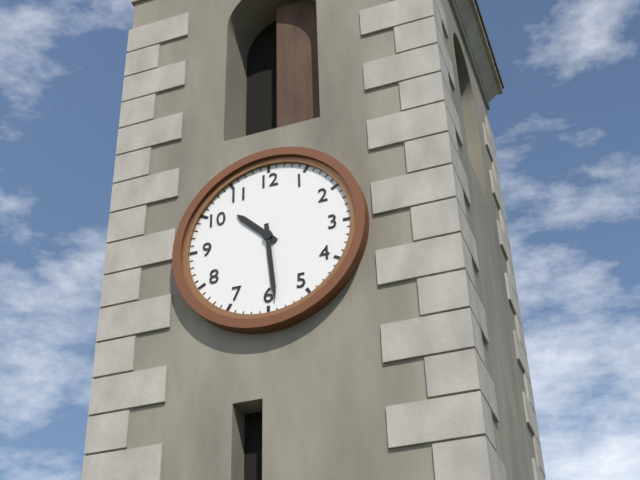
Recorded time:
10,29
